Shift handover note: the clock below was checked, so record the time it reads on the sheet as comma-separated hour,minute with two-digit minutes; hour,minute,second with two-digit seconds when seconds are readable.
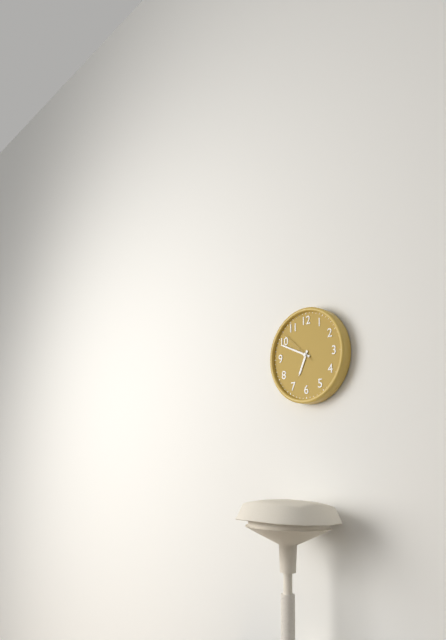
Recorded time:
6,49
